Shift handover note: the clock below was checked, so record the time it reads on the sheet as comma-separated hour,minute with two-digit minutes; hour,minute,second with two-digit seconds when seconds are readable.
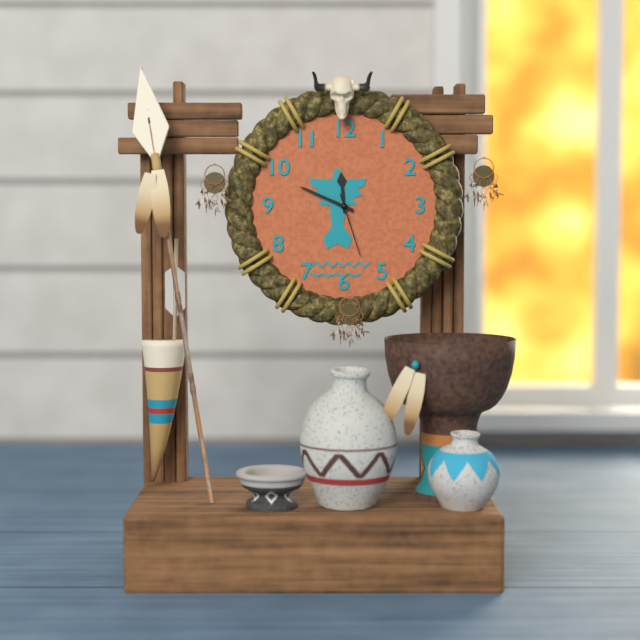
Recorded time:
11,49,27
